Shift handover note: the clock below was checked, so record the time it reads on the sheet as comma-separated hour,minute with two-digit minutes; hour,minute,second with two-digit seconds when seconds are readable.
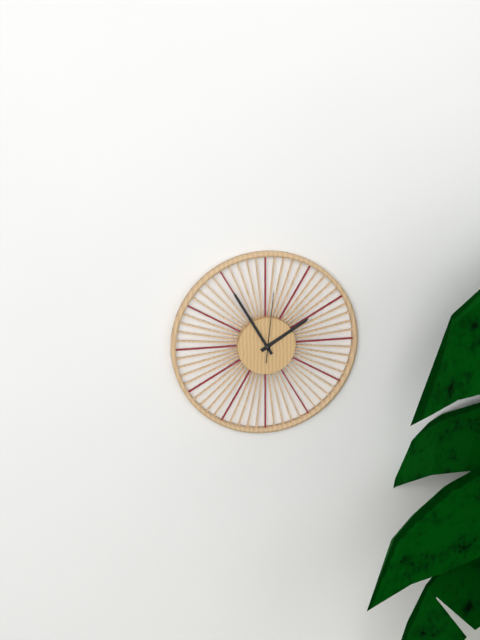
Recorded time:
1,55,01
